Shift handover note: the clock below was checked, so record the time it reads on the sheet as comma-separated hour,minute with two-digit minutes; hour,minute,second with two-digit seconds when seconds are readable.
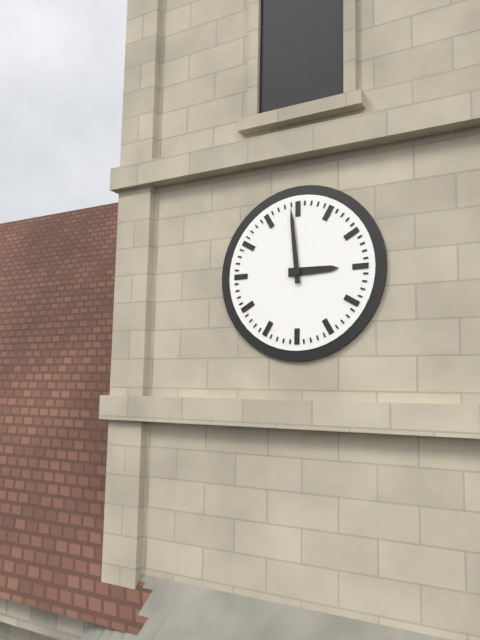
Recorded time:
2,59
